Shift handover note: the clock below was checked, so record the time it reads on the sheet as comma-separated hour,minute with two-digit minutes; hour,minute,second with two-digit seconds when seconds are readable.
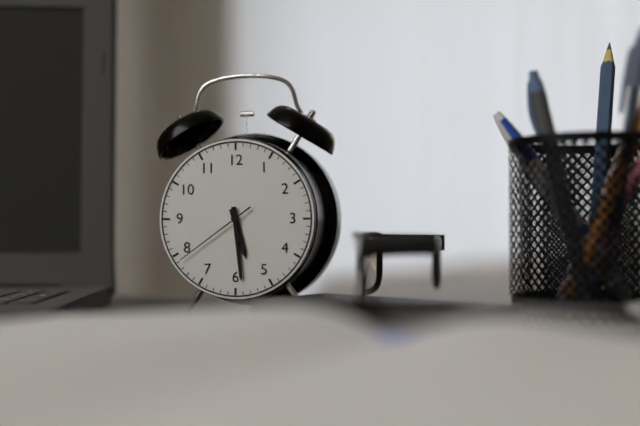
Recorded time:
5,29,39
